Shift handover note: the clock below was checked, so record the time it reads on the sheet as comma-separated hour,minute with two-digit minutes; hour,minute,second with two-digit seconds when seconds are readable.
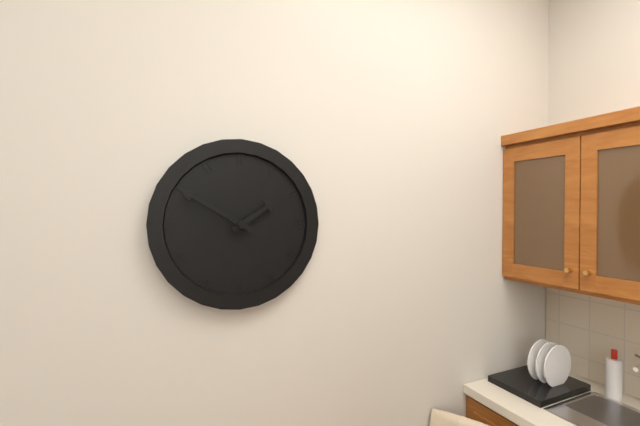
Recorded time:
1,50
